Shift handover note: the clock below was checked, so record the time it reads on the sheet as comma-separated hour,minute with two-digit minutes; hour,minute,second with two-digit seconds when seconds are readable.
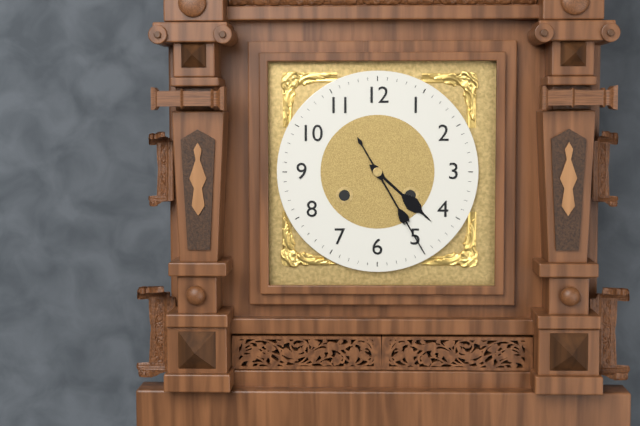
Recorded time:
4,25
